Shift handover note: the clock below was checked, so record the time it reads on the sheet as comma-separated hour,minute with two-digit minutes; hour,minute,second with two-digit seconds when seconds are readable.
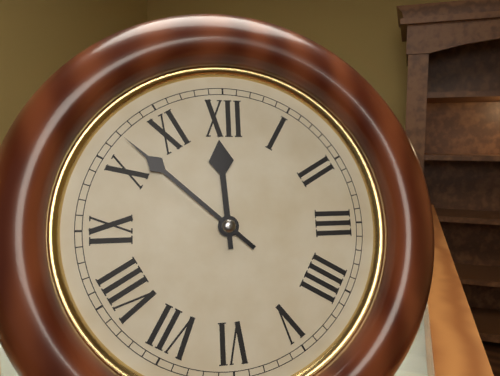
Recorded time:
11,52
